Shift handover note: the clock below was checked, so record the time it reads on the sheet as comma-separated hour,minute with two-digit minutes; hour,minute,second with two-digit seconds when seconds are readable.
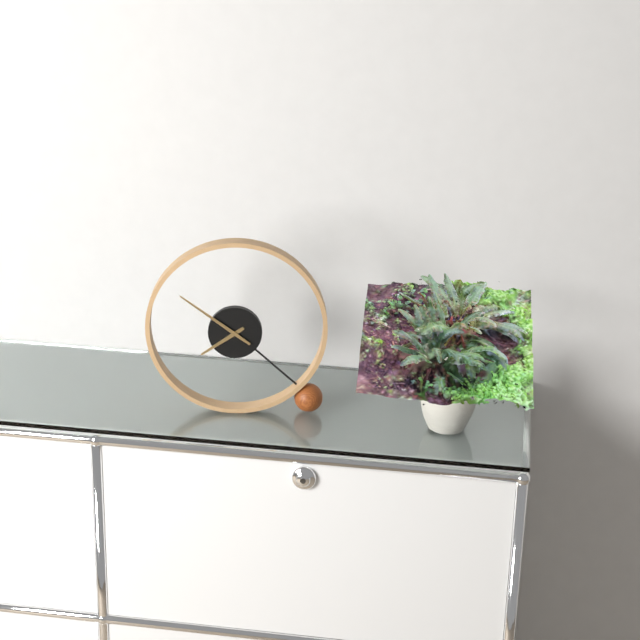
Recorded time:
7,51
